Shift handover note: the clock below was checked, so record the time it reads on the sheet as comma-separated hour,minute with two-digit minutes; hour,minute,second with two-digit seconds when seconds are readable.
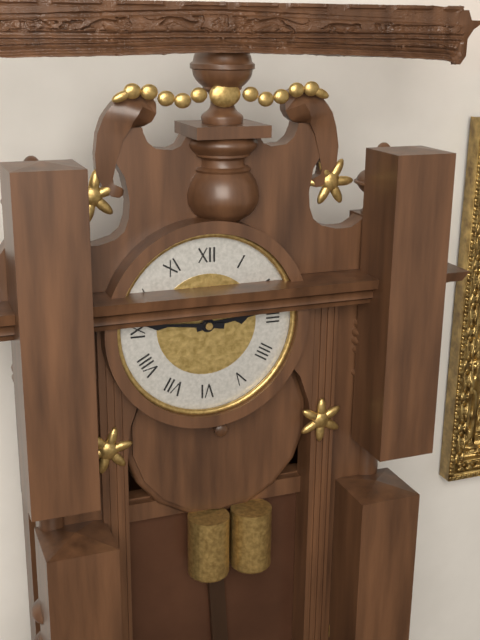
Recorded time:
2,46
